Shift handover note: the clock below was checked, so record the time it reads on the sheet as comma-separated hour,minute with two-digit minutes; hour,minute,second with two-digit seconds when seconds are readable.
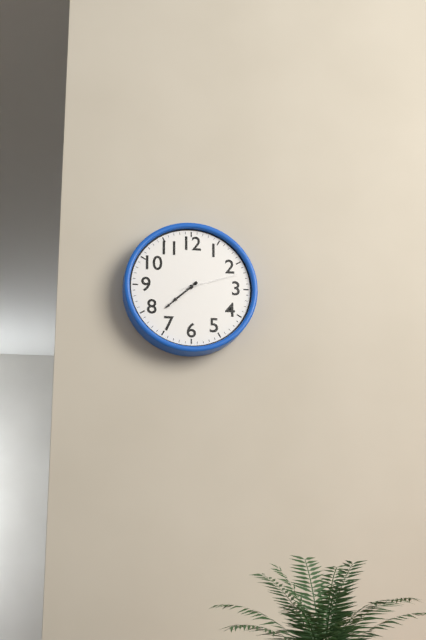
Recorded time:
7,38,12
